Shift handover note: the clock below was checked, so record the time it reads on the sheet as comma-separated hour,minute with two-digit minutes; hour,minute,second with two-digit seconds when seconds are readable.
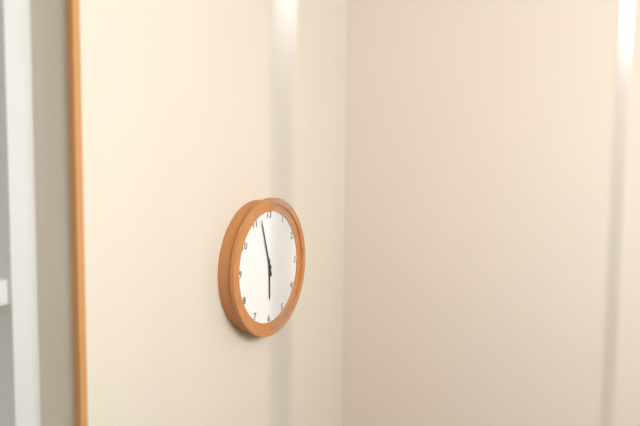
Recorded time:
5,57
